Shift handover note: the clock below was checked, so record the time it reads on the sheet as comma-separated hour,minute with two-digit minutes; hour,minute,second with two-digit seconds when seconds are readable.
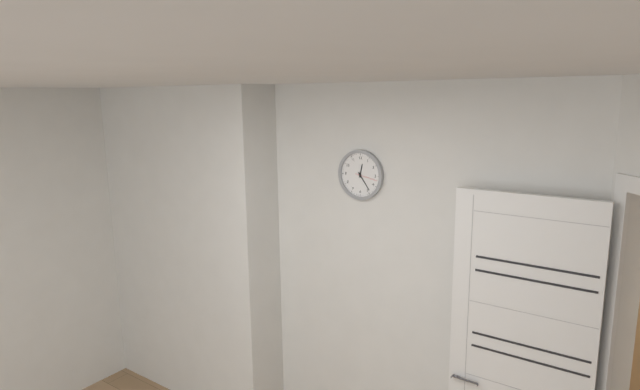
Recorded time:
12,24
